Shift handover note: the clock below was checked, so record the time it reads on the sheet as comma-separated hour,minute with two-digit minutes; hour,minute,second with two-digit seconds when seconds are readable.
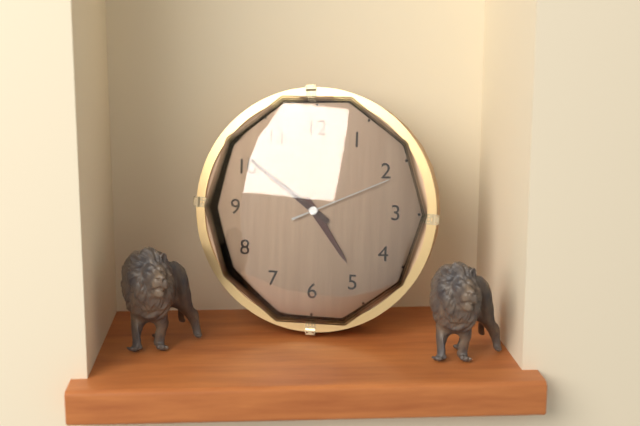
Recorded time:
4,51,11
